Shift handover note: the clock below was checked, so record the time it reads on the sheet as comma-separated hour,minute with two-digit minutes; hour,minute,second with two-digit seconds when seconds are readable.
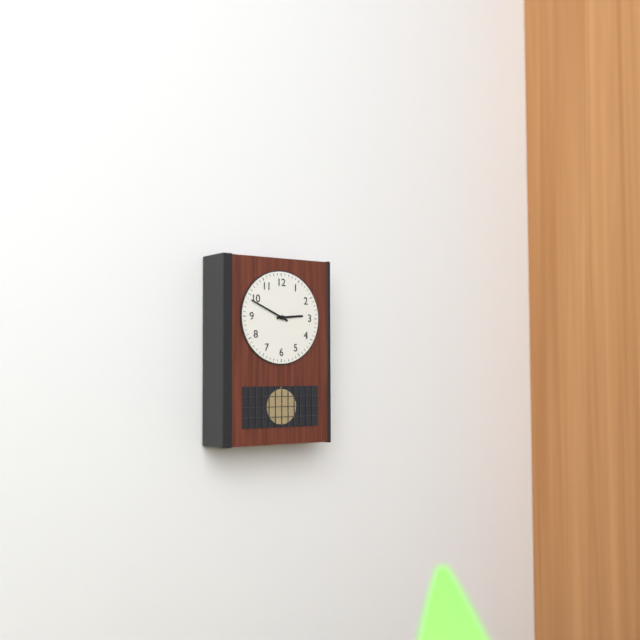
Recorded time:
2,49
